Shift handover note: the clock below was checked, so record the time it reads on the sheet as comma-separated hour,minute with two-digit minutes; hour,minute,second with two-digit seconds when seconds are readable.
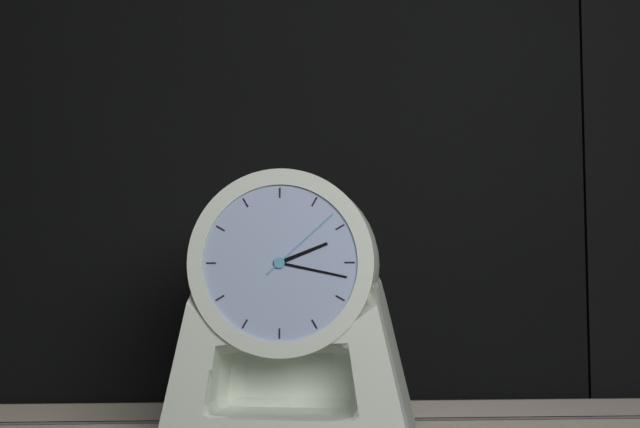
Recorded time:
2,17,08
